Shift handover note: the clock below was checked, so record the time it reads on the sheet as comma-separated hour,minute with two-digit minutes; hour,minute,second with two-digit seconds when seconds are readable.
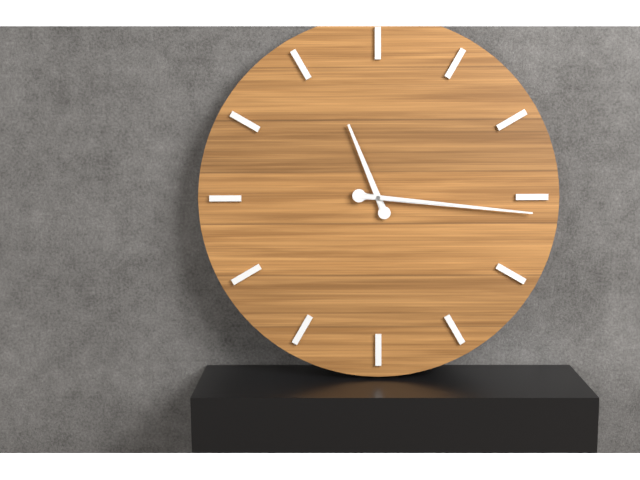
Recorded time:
11,16
